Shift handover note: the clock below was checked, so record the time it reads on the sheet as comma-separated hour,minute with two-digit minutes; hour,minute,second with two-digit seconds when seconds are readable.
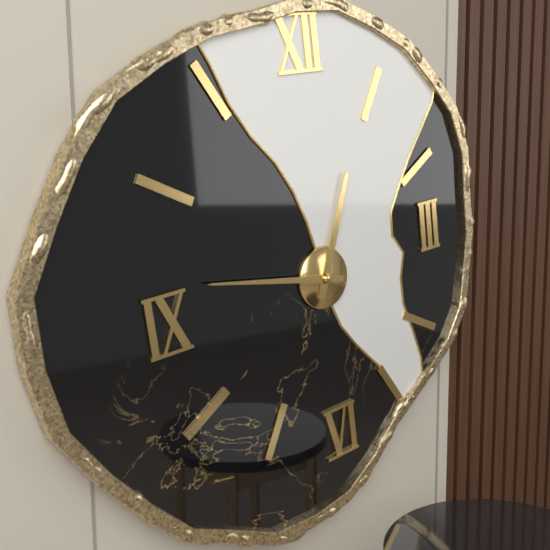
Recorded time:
12,47
